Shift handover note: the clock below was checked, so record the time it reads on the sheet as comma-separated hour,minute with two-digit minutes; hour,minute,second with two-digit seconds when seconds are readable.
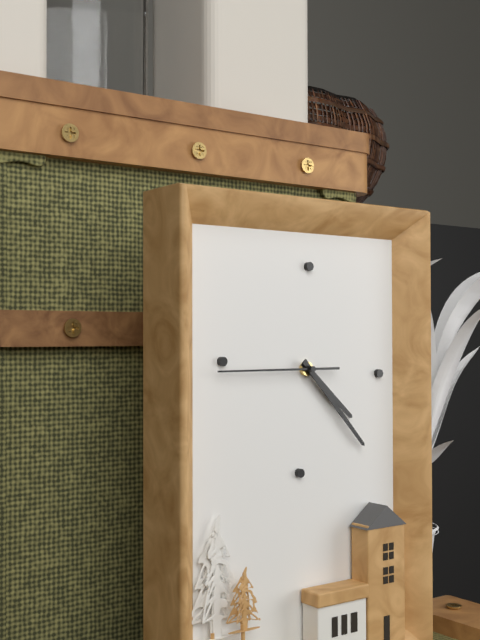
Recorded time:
4,23,45
